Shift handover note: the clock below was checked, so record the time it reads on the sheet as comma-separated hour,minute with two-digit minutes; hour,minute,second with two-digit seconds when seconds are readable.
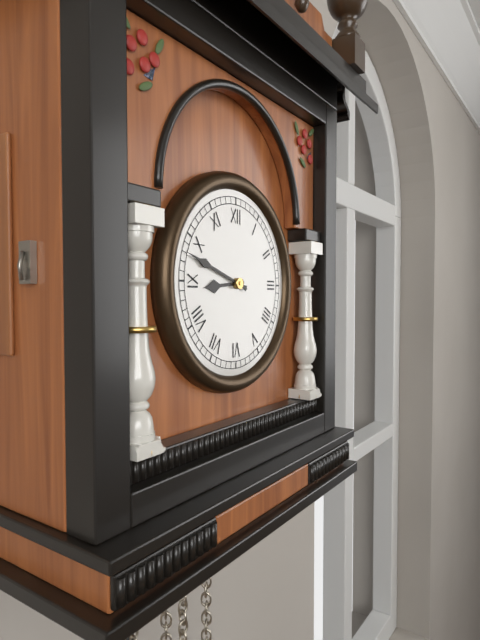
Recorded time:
8,48
